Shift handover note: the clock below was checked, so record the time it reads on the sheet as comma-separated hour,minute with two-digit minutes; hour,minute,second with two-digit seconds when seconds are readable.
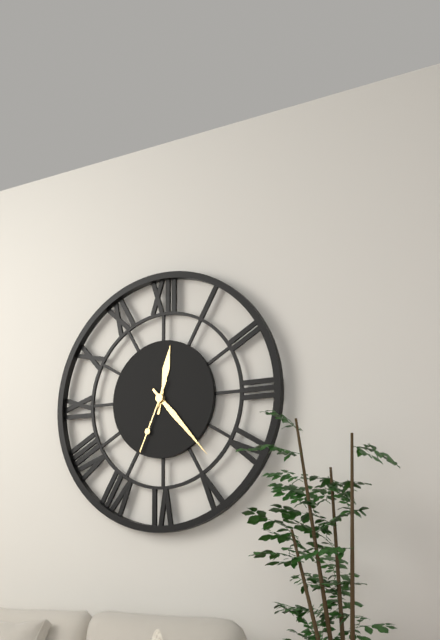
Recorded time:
12,23,34
